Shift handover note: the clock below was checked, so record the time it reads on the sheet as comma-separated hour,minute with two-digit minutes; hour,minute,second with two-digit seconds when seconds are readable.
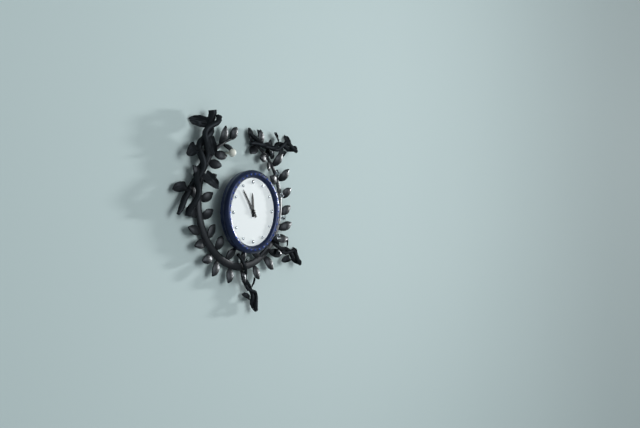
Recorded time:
11,54
